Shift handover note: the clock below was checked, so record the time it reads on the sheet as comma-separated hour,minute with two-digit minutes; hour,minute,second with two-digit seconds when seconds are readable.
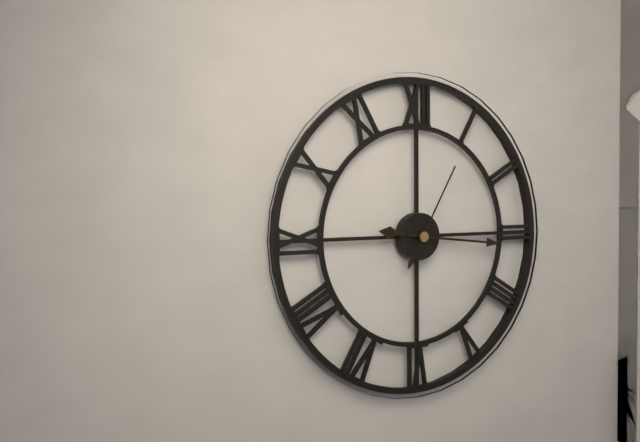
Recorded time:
9,16,05
